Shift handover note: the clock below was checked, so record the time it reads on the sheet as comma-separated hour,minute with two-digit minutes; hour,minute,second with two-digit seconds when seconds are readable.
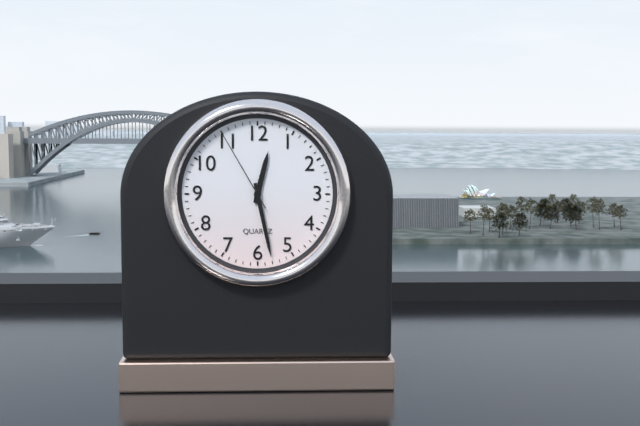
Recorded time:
12,28,55
